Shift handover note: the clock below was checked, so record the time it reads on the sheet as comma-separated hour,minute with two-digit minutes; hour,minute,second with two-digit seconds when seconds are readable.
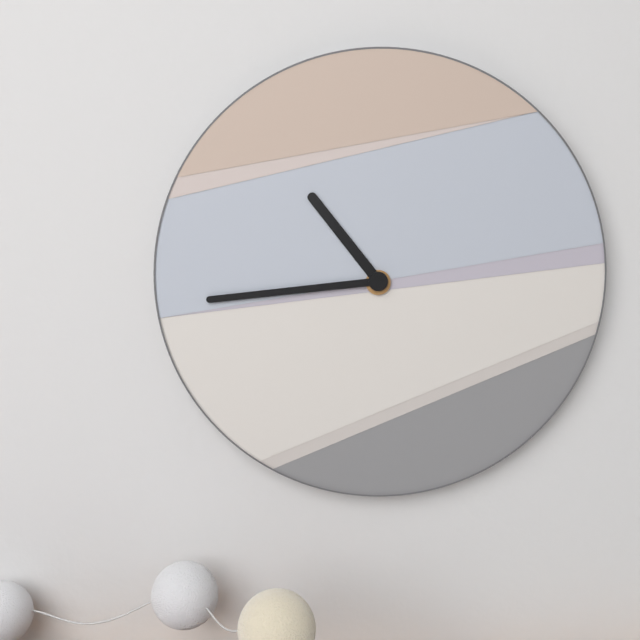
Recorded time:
10,44
